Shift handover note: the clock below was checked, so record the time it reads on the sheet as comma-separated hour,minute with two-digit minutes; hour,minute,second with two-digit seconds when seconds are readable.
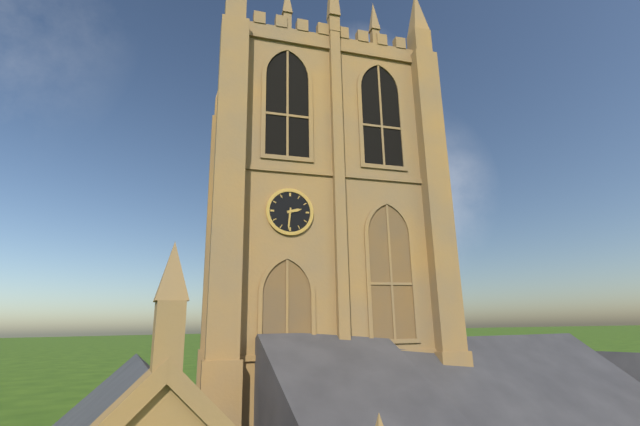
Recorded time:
2,31
